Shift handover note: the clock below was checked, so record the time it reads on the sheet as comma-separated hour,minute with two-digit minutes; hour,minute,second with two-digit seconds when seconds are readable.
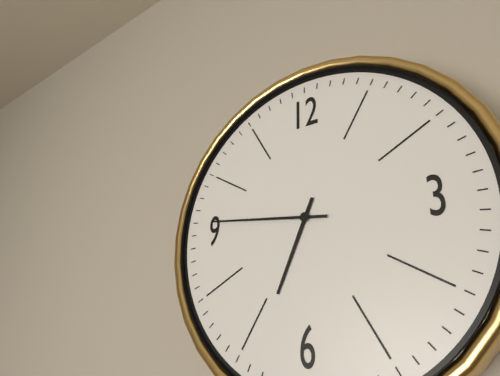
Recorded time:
6,46
